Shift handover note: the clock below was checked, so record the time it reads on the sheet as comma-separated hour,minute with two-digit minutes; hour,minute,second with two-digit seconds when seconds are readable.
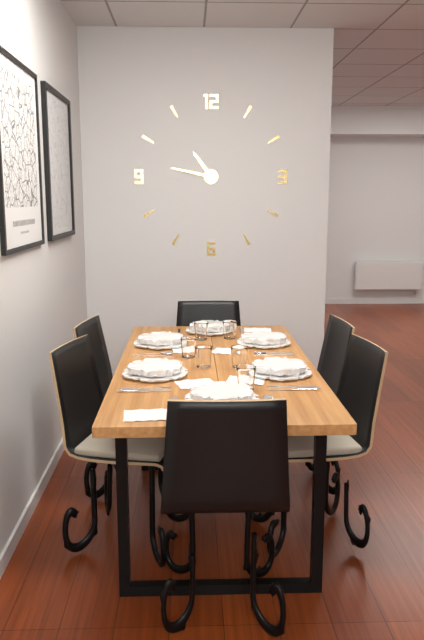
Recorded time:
10,47
